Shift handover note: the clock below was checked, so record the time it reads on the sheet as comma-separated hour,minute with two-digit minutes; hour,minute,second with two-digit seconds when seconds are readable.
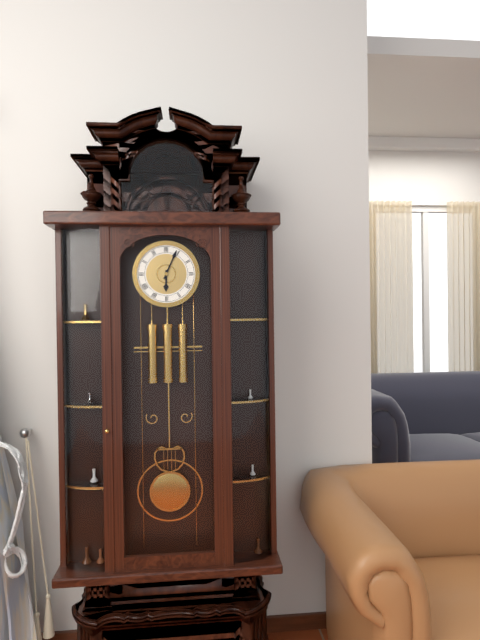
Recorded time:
6,04
